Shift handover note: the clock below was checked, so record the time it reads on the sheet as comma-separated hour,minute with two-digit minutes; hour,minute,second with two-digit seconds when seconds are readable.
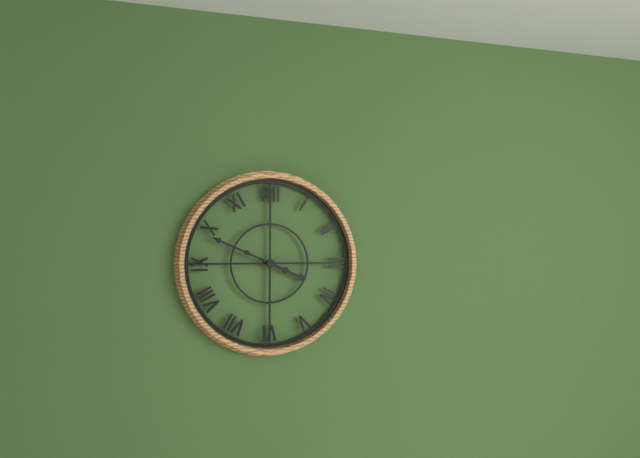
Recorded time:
3,49
